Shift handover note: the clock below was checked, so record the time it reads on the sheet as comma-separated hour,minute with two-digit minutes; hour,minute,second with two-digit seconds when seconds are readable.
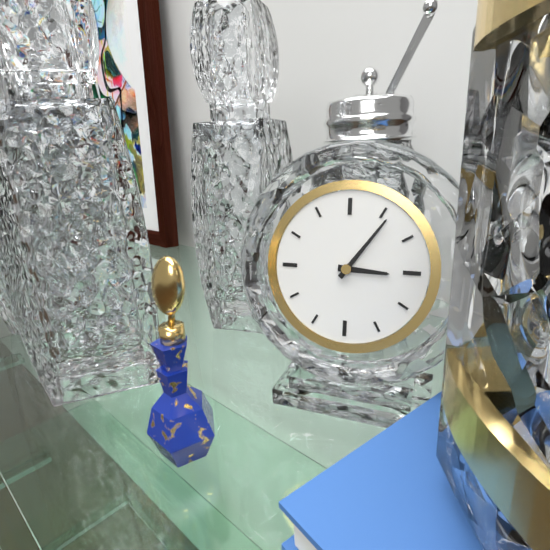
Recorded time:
3,06
